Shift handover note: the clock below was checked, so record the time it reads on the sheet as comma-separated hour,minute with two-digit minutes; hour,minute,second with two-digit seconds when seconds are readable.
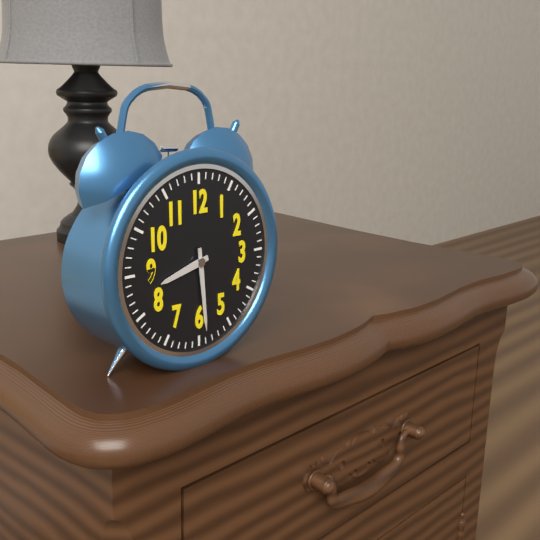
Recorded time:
8,29
